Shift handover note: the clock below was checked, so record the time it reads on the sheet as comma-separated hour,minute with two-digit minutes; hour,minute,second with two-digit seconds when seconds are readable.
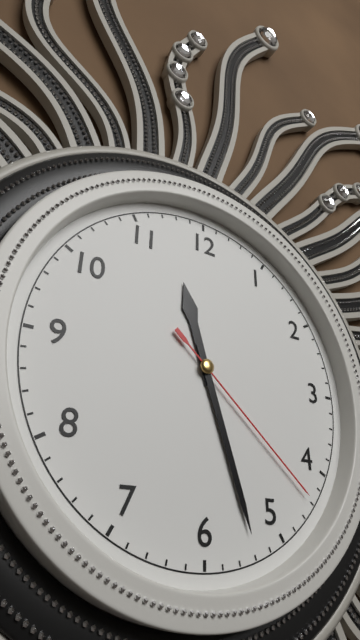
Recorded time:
11,27,22
